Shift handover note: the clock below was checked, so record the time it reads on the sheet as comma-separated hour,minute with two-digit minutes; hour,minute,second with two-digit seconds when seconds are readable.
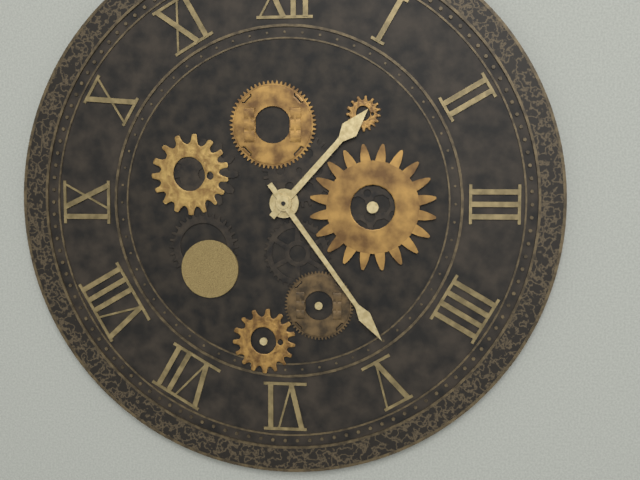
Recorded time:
1,24
